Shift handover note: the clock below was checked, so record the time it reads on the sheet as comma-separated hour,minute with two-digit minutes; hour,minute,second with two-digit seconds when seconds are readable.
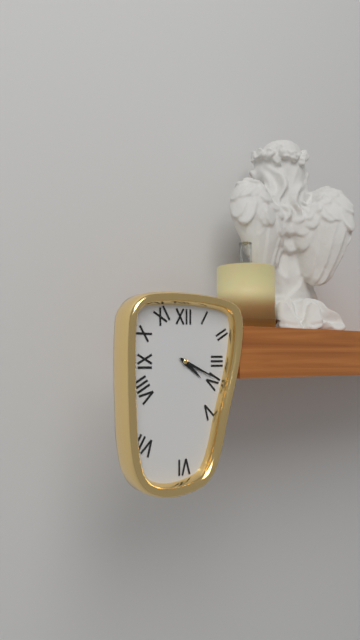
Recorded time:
4,19
